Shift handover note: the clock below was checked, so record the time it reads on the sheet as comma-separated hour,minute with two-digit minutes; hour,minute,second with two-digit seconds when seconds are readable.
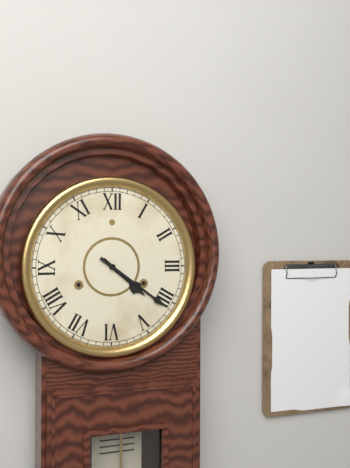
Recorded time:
4,21
